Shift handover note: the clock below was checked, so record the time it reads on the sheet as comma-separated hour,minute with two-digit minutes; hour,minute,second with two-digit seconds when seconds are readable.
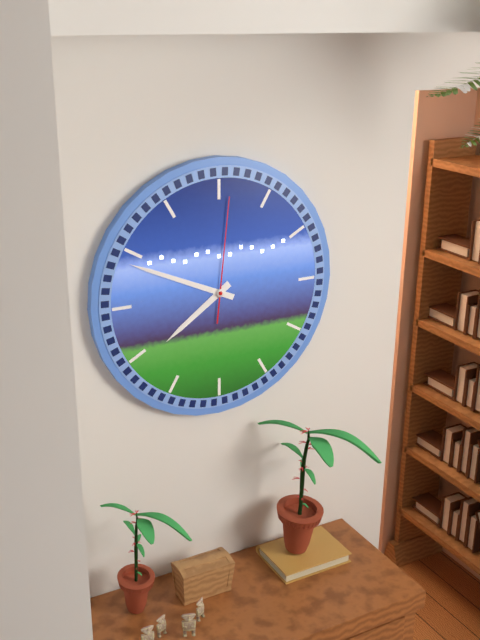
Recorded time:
7,49,01
